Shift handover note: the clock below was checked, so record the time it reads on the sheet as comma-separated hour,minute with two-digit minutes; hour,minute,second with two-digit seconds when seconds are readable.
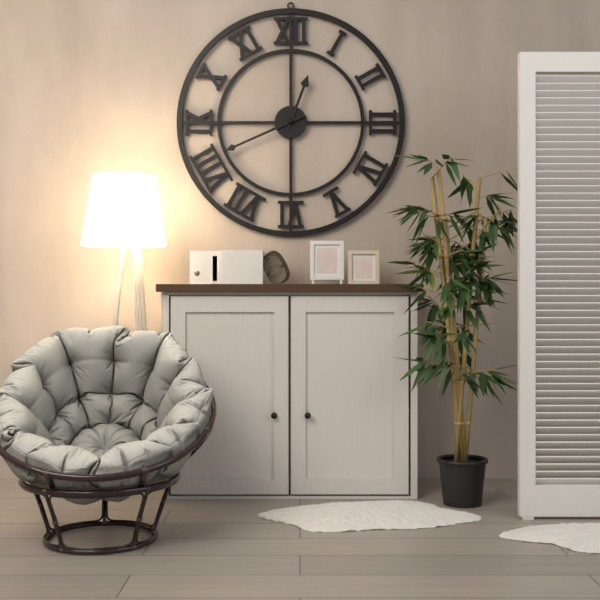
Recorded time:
12,41
